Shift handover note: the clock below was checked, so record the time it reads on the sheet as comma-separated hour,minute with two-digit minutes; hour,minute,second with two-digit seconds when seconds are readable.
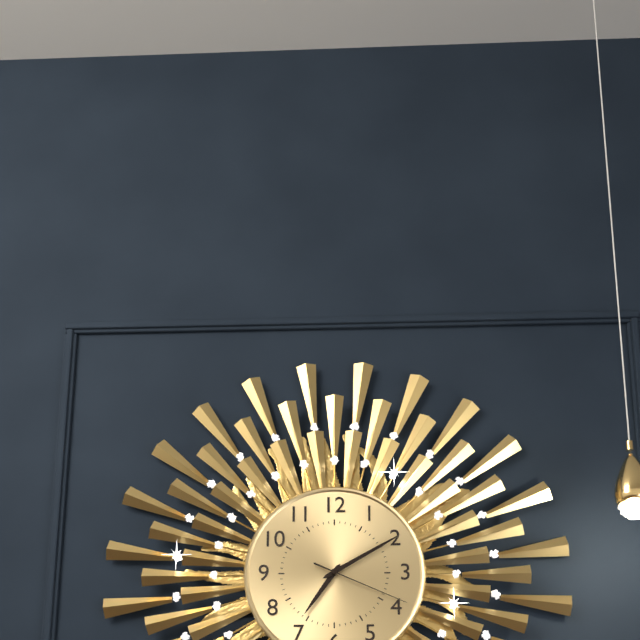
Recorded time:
7,10,19
